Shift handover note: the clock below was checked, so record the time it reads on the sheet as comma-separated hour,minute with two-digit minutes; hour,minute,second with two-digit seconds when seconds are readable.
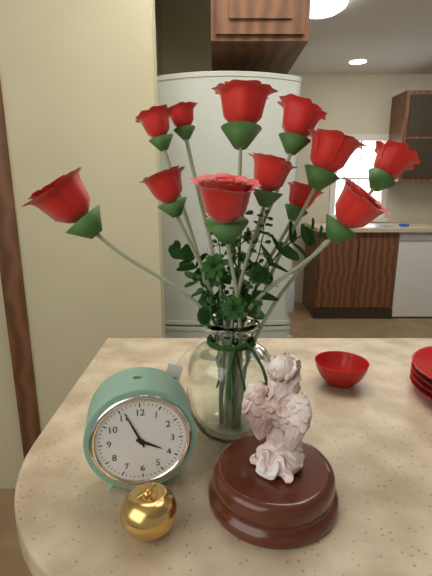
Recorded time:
3,56
